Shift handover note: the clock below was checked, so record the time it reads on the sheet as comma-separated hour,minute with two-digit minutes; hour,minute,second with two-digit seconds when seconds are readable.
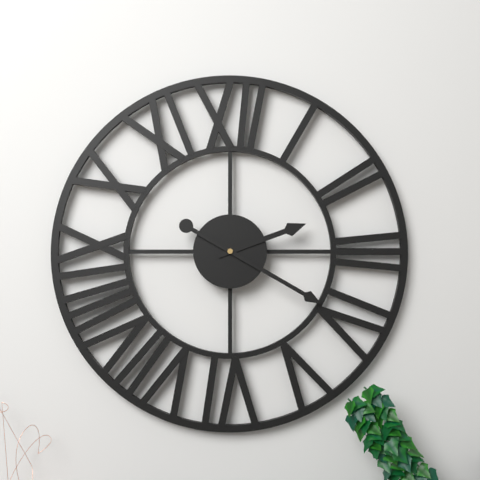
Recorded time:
2,20
